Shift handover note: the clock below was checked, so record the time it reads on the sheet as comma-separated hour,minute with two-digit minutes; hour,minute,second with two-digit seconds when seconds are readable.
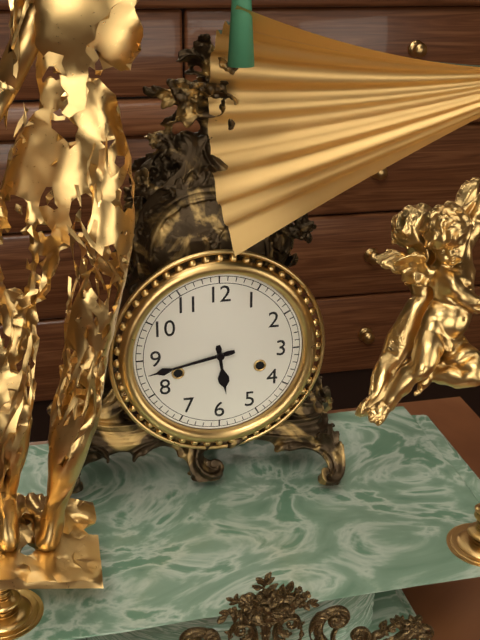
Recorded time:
5,43
